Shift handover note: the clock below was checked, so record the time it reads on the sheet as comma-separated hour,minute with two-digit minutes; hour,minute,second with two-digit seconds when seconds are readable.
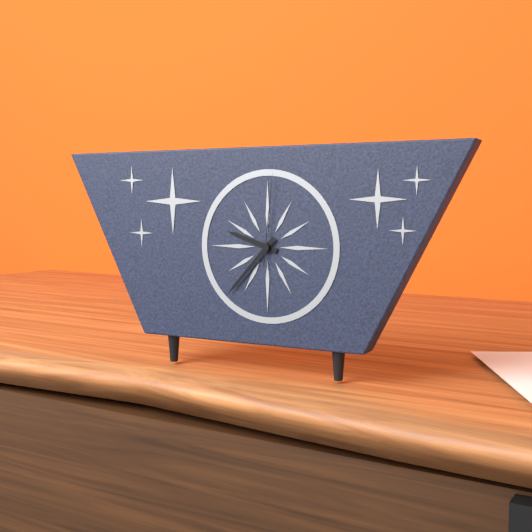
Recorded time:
9,37,01
